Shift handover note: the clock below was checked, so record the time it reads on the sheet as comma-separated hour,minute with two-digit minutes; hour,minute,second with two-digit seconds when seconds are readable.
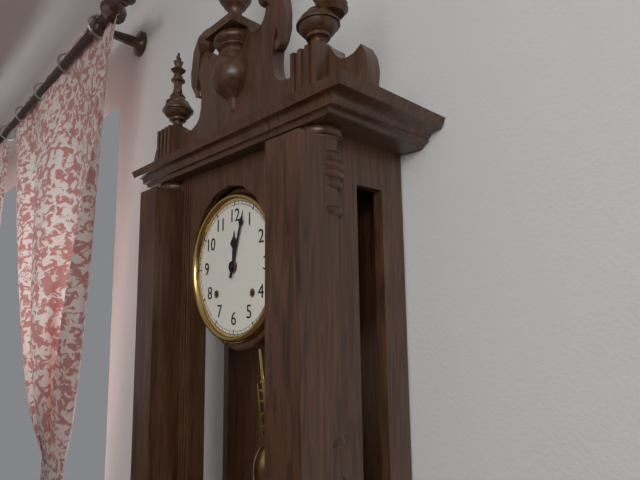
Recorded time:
12,03
